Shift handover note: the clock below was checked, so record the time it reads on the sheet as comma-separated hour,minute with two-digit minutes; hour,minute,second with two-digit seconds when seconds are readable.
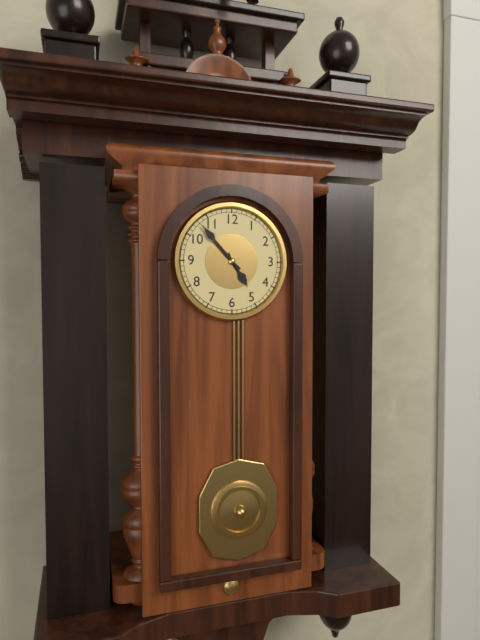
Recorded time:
4,53
